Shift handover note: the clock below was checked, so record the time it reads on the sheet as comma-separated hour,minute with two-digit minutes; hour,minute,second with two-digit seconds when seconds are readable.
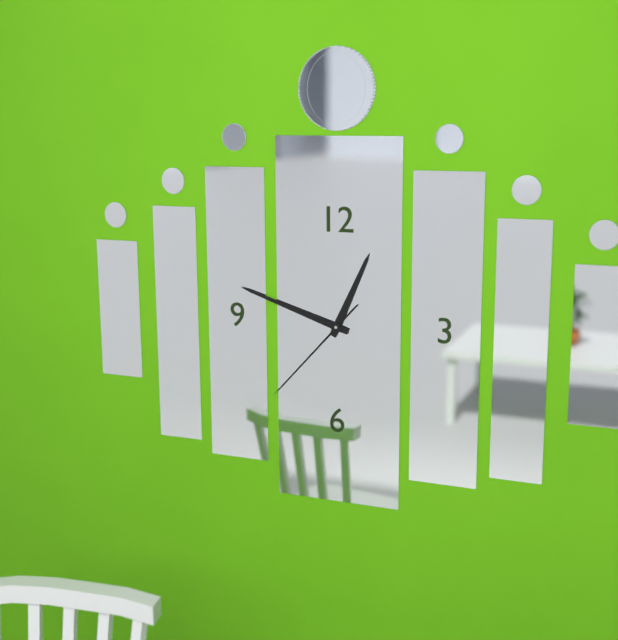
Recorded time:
12,48,37
